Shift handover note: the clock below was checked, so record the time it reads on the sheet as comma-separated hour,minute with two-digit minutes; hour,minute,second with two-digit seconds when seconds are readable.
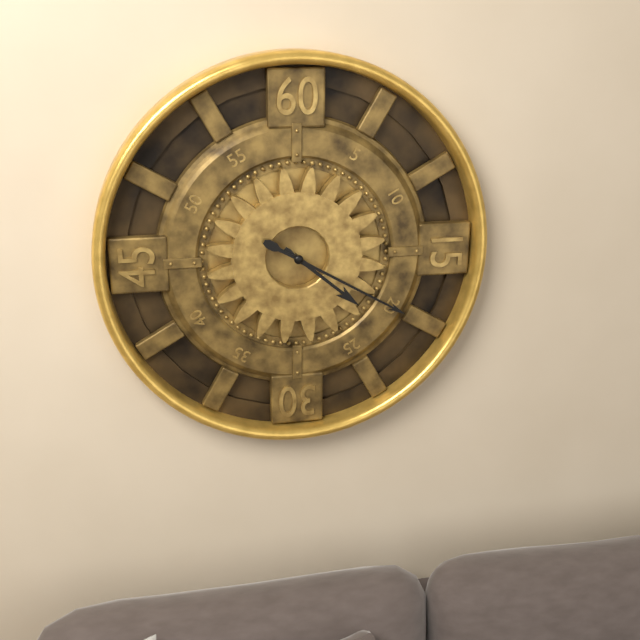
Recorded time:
4,20
